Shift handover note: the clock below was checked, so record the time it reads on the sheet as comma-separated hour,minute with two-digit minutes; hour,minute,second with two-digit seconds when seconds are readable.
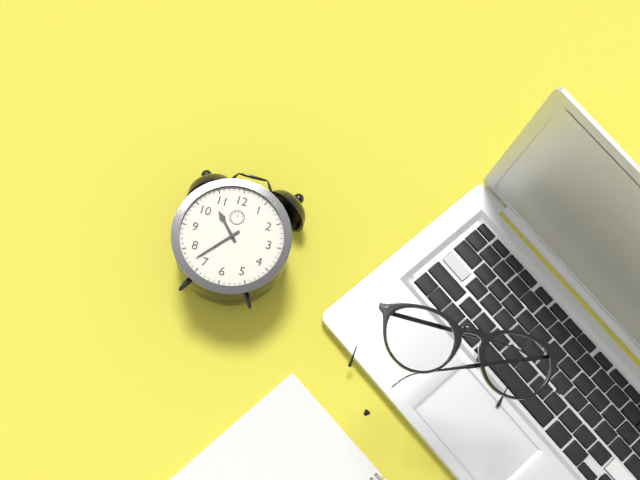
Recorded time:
10,37
